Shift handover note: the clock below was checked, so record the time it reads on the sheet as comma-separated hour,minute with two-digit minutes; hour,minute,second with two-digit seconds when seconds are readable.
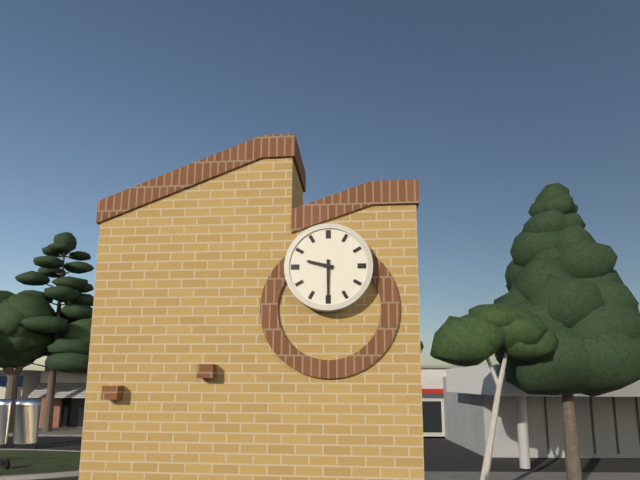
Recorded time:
9,30
